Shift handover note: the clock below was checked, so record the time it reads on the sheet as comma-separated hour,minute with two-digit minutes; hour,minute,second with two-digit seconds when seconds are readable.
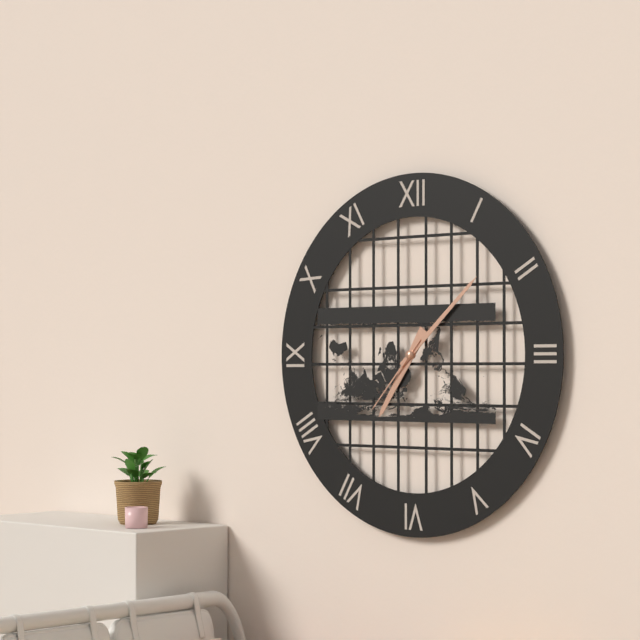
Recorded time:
7,08,37
